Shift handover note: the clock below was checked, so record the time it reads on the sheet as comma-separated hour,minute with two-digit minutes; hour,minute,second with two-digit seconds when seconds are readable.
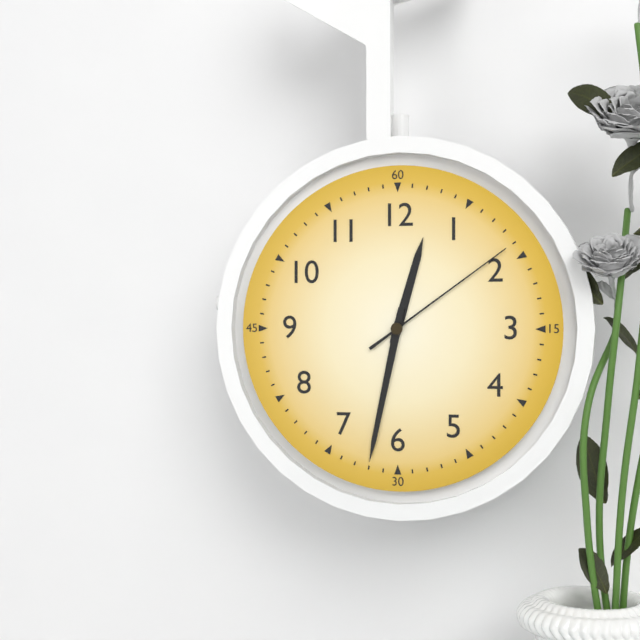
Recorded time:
12,32,09
